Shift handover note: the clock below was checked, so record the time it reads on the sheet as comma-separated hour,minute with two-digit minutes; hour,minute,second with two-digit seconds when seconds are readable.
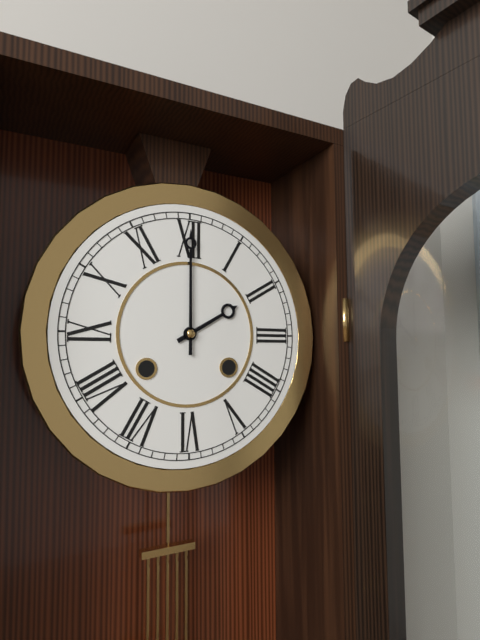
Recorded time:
2,00
